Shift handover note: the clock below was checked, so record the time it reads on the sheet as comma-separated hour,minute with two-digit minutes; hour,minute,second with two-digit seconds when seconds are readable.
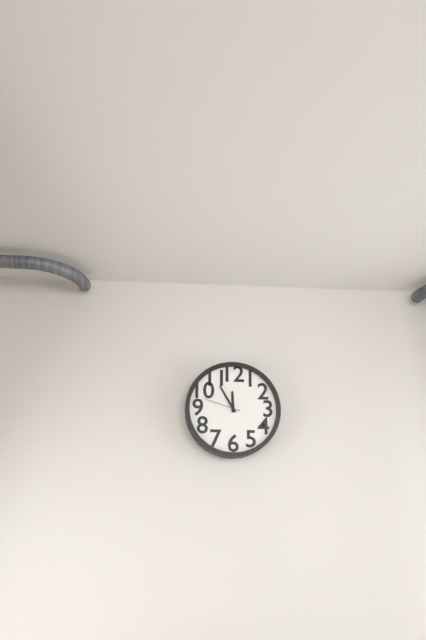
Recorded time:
11,55
